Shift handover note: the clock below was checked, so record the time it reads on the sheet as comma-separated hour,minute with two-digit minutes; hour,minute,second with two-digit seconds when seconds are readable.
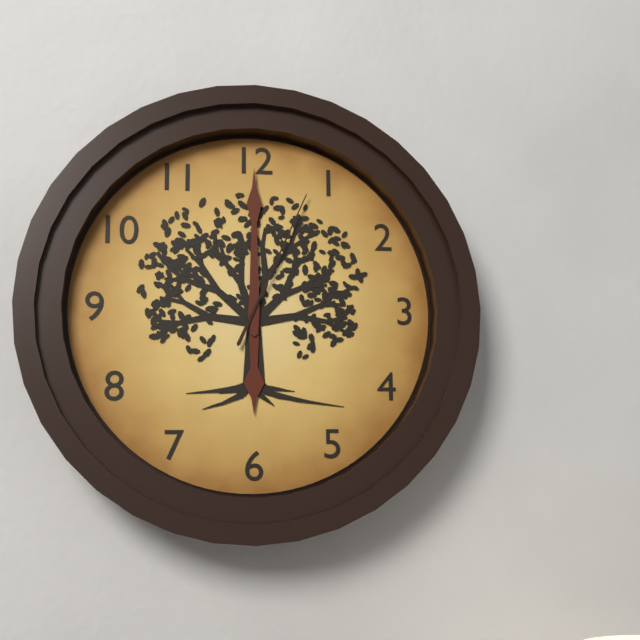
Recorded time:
6,00,04
